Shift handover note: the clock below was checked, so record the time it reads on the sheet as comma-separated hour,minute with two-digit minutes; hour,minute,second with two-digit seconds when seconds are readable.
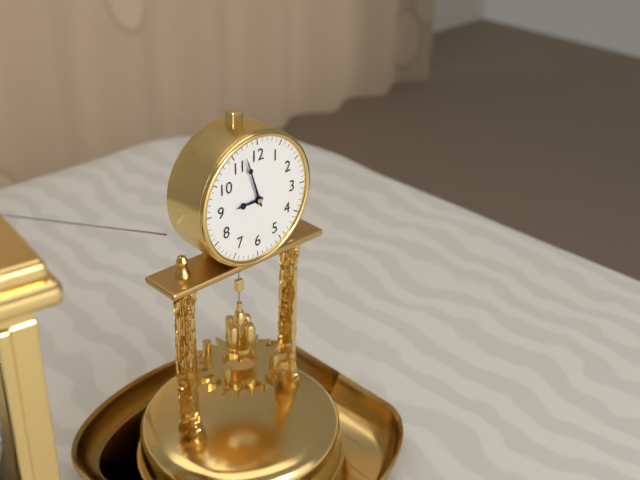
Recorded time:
8,57
